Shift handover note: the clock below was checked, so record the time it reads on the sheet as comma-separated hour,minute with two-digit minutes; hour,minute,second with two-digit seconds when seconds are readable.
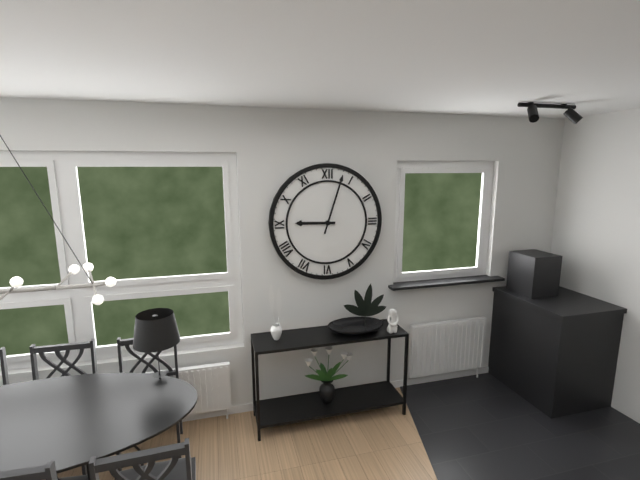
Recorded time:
9,03
